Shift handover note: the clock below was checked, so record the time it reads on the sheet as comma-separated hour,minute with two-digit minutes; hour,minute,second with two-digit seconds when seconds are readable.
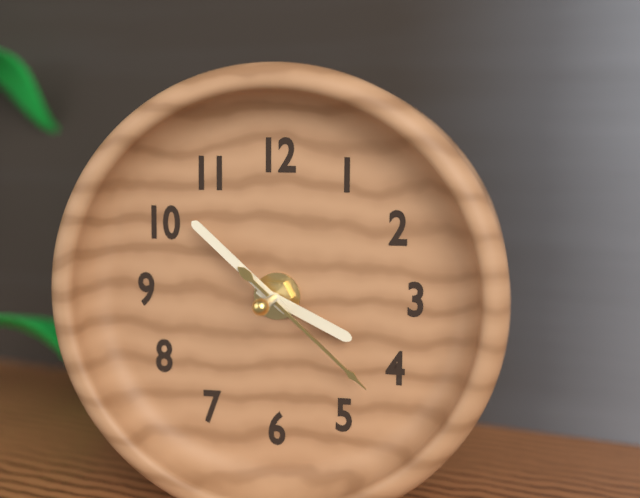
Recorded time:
3,52,22
